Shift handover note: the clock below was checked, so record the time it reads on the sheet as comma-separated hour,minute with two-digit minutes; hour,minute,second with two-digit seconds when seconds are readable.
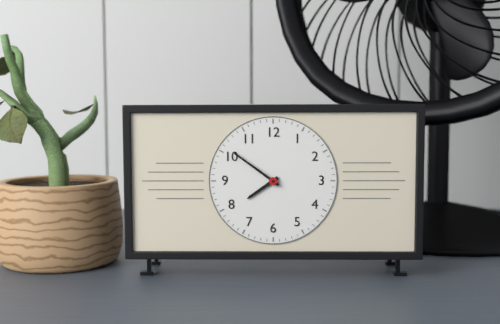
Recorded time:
7,51
